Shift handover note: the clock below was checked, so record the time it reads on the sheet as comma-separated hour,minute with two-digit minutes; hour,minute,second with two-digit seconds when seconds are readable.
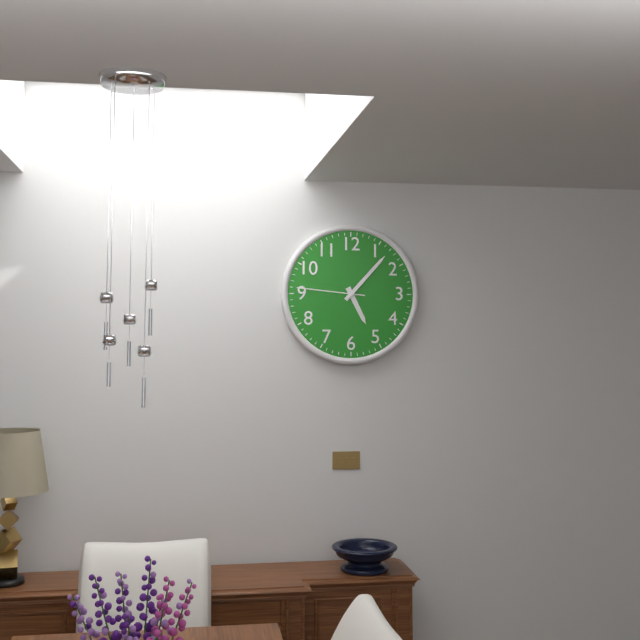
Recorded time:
5,07,46
